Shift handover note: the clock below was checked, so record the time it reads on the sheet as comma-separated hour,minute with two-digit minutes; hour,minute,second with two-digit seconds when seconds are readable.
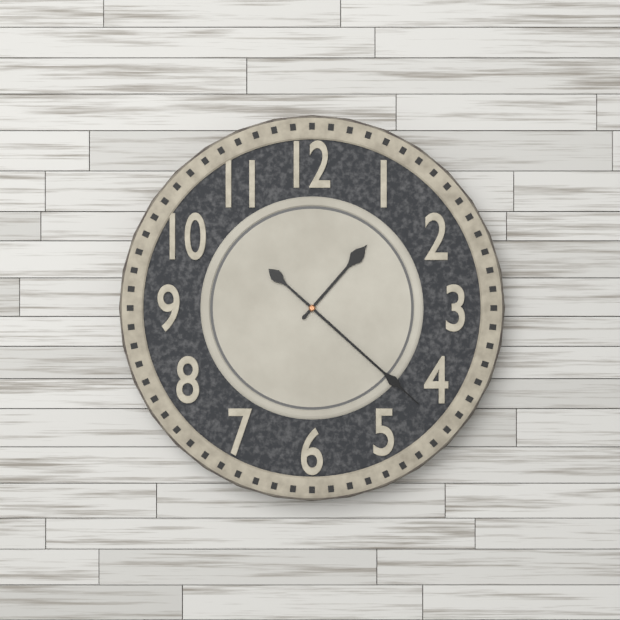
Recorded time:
1,22
